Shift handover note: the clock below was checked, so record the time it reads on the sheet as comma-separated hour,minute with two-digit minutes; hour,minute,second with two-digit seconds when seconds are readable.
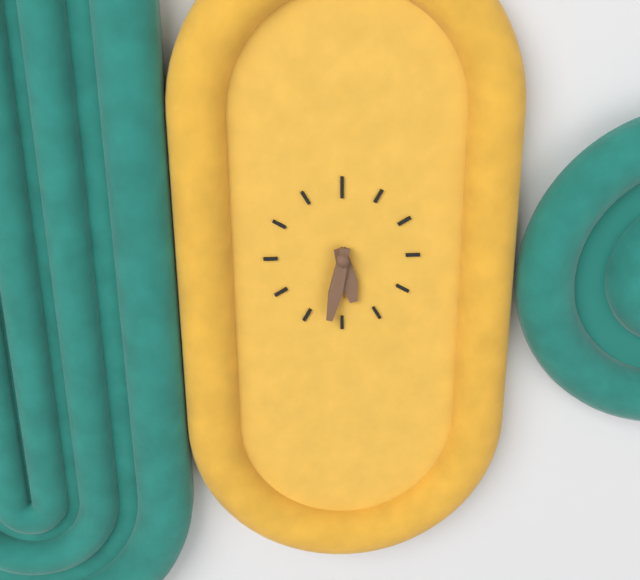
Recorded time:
5,32
